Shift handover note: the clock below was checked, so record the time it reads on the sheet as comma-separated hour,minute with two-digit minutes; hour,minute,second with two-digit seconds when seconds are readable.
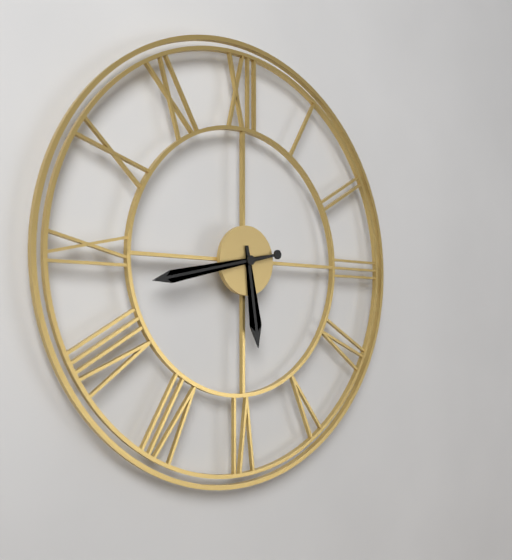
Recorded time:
5,43
